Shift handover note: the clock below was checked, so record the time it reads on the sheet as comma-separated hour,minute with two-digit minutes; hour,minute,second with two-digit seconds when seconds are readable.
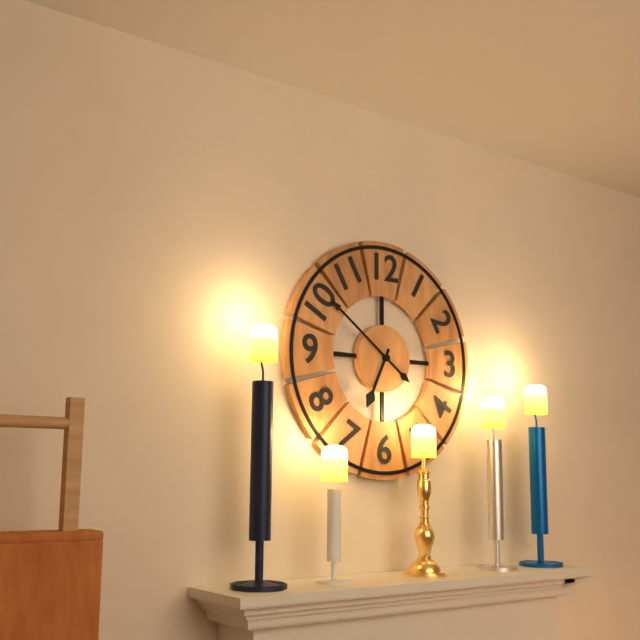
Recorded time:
6,51
